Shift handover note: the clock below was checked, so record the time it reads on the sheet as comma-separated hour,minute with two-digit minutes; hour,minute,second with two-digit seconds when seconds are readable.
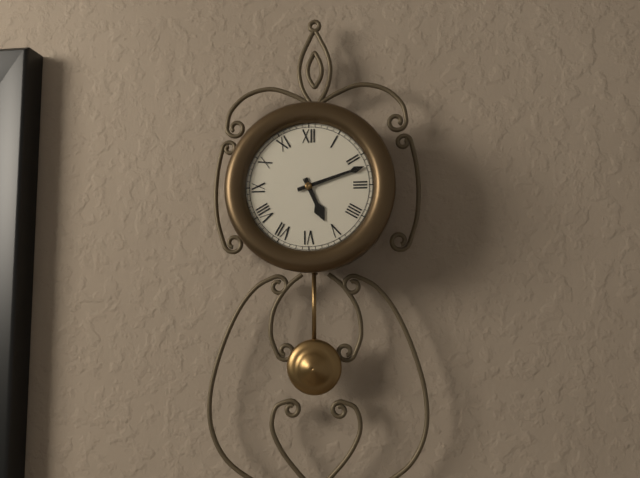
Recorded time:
5,12
